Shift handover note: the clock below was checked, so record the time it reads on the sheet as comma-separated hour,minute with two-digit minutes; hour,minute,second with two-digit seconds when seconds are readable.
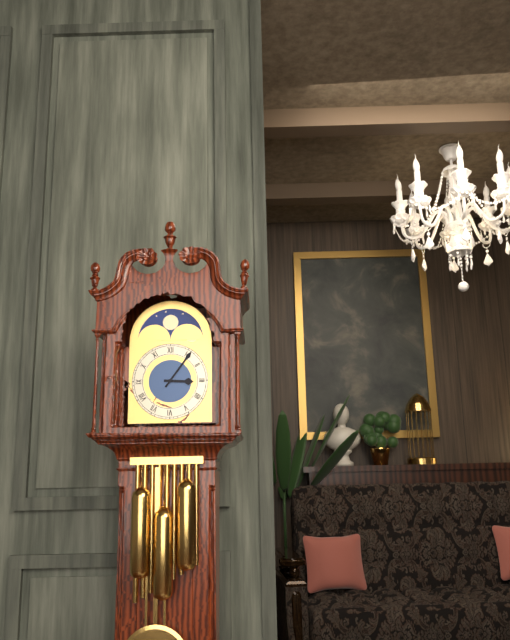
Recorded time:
3,06
